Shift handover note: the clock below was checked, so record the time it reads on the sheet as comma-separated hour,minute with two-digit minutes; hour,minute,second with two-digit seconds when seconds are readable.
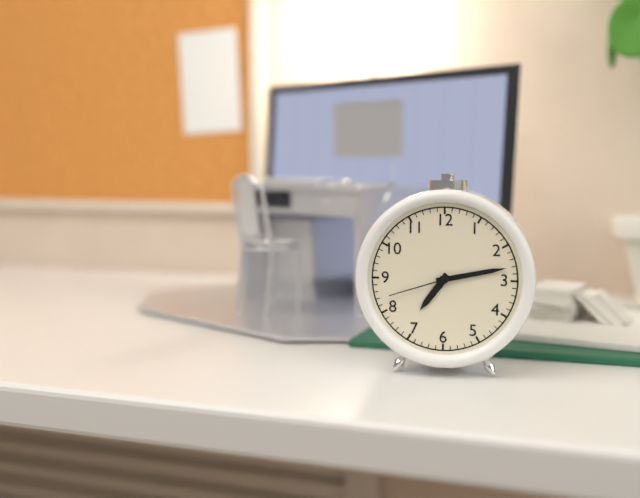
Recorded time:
7,13,42
